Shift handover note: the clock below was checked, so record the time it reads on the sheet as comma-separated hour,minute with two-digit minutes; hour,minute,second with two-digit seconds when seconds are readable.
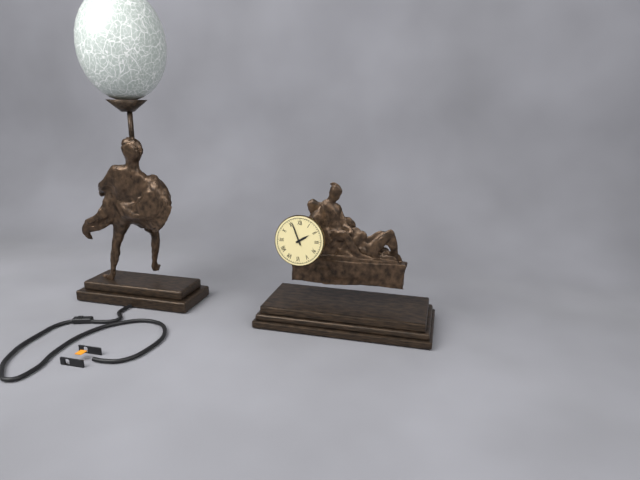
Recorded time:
1,56
